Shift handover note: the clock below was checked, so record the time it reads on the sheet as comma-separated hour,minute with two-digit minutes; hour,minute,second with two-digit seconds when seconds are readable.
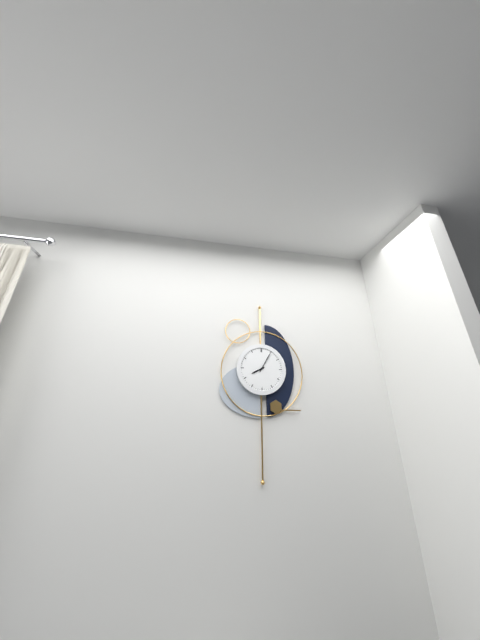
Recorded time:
8,05
